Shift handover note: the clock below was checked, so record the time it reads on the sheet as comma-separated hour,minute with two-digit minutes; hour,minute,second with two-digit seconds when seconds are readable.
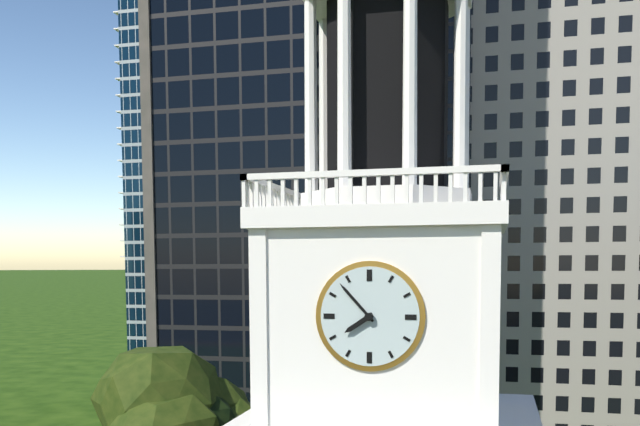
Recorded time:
7,53
